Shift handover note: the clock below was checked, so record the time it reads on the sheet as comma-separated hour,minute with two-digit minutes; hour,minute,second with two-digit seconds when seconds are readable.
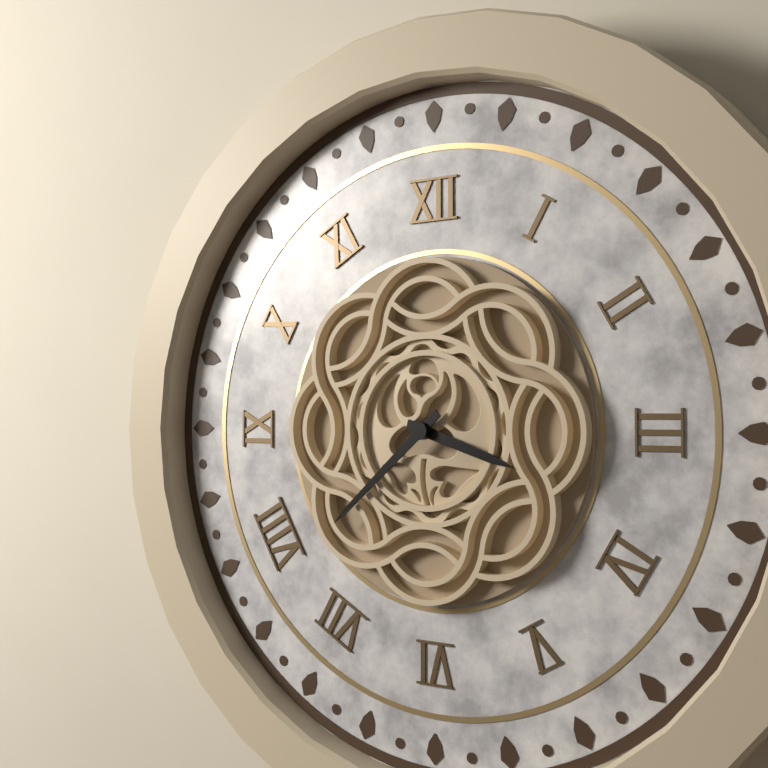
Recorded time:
3,38
